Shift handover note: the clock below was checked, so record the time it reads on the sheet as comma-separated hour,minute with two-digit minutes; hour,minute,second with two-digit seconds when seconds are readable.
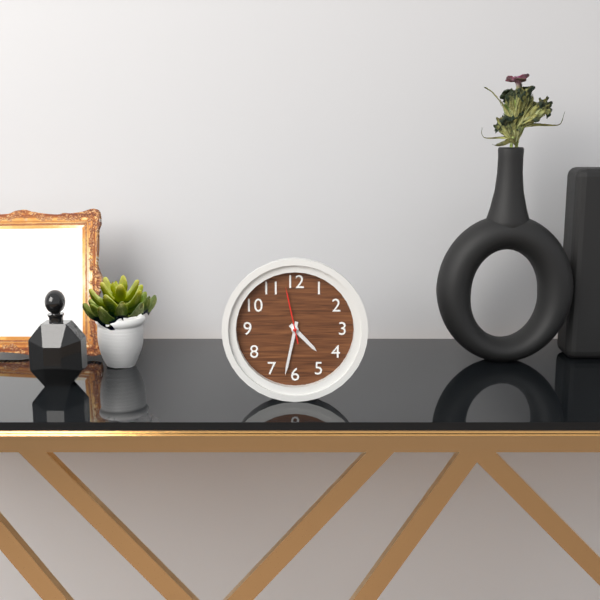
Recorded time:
4,32,58
